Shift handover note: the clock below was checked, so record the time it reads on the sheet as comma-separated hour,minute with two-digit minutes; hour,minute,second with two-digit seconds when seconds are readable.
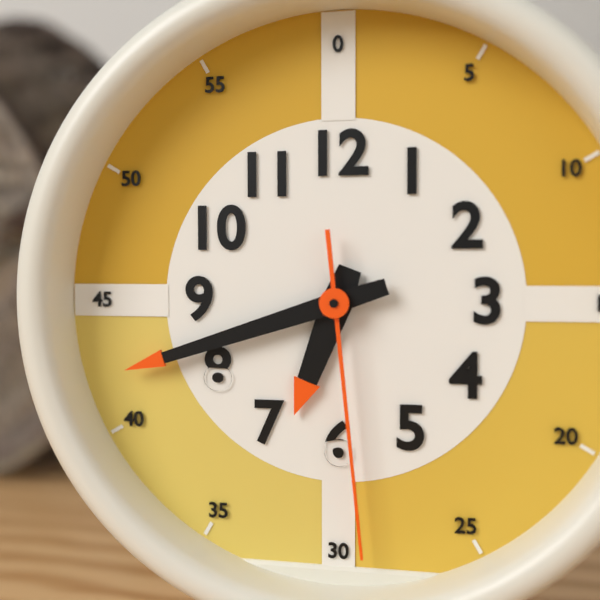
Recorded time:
6,42,29
